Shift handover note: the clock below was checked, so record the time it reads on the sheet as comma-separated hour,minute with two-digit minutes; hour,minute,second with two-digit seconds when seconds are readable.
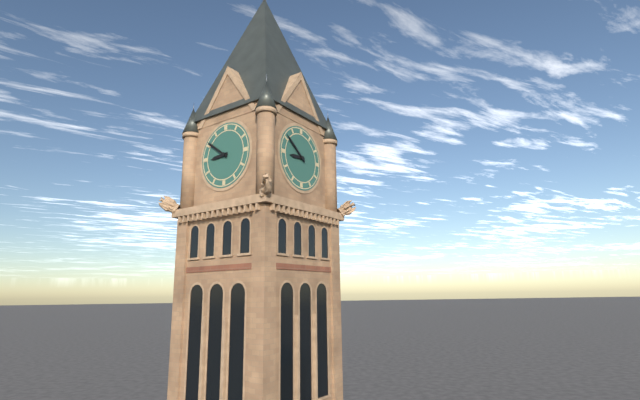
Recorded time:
8,51
